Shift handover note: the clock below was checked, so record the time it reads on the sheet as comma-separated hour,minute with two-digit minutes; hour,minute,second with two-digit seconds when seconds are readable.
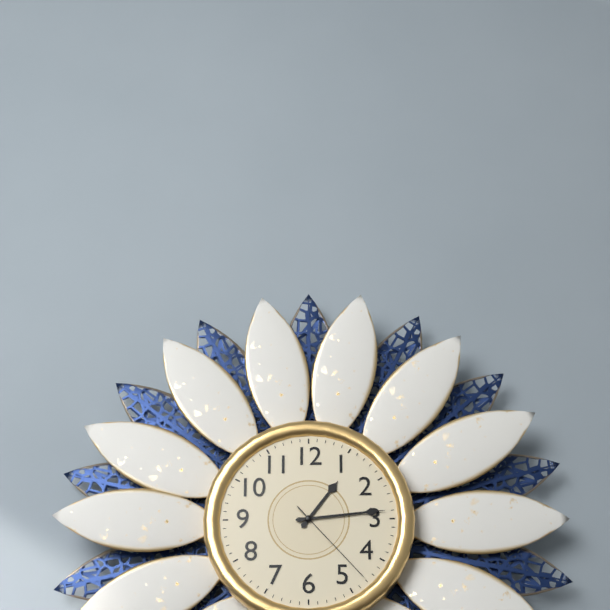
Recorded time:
1,14,23
